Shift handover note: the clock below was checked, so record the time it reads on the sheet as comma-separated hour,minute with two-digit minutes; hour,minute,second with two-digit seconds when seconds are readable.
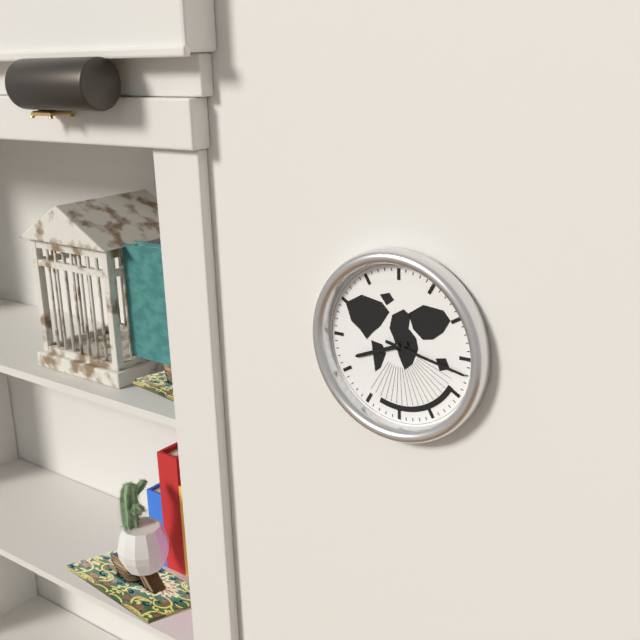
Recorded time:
8,17
